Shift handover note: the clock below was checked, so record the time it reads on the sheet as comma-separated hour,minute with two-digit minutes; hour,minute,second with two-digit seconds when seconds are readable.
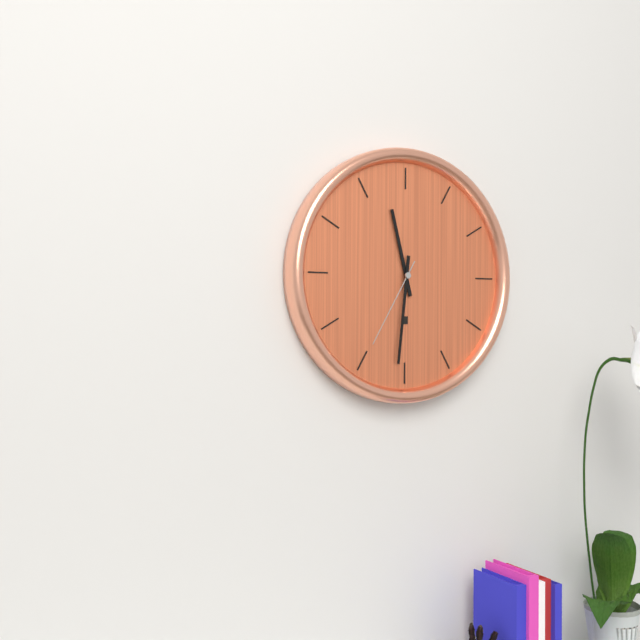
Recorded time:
11,31,35
